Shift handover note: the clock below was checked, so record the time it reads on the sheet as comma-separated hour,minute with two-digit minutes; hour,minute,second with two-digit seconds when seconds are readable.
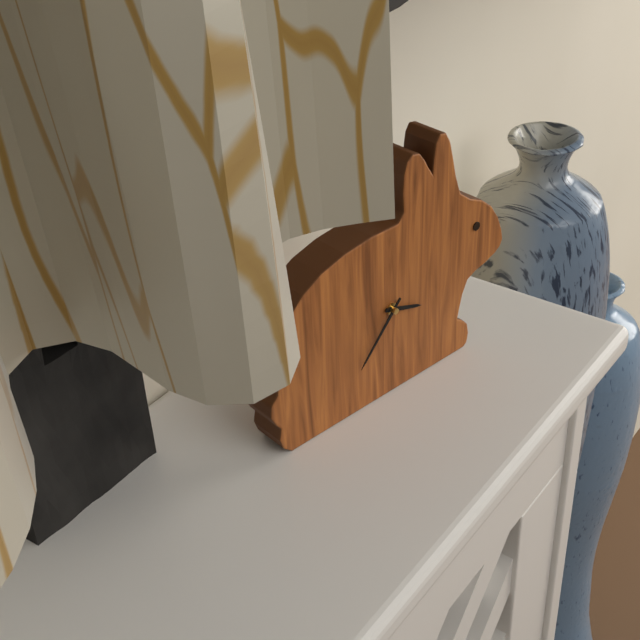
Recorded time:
3,37
